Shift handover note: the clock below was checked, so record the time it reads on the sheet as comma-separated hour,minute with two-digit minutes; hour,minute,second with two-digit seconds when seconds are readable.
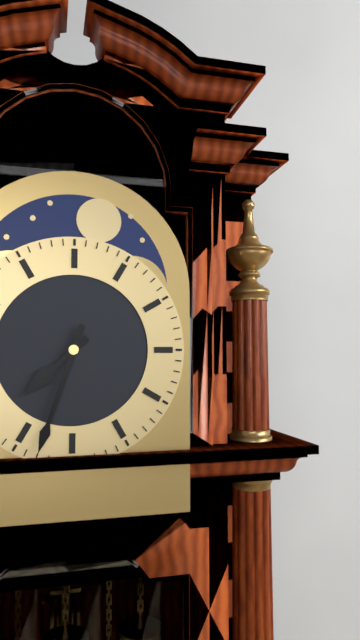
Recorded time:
7,33
